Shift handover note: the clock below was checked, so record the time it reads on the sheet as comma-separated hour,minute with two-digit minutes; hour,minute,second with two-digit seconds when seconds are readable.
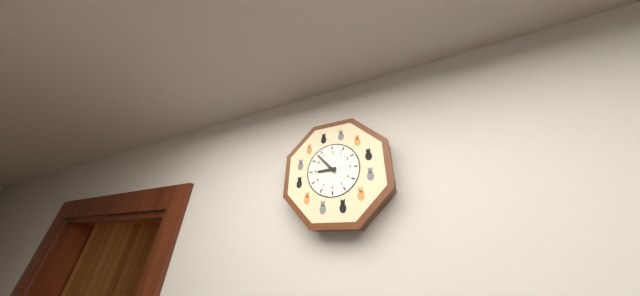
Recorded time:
8,53
